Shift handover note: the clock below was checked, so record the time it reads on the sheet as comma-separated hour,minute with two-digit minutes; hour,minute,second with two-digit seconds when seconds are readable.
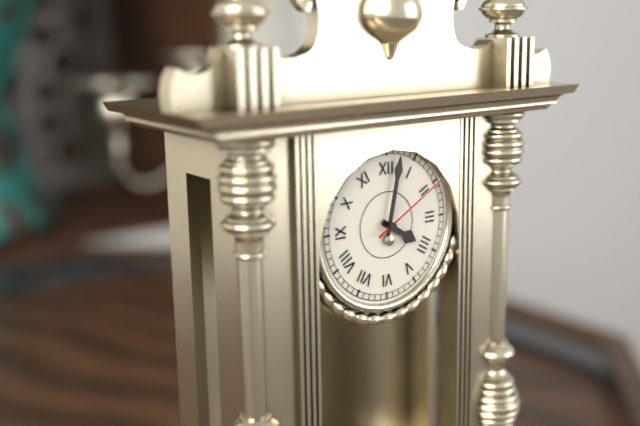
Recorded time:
4,02,10
